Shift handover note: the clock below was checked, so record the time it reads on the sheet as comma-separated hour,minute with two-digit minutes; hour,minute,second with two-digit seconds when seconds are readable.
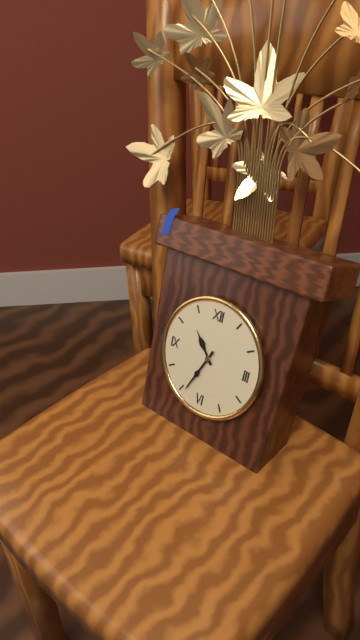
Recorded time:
10,34
